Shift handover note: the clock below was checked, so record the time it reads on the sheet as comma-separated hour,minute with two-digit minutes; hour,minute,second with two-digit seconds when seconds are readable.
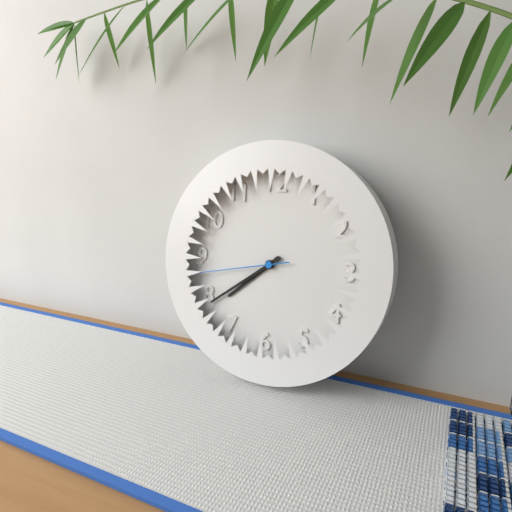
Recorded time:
7,39,43
